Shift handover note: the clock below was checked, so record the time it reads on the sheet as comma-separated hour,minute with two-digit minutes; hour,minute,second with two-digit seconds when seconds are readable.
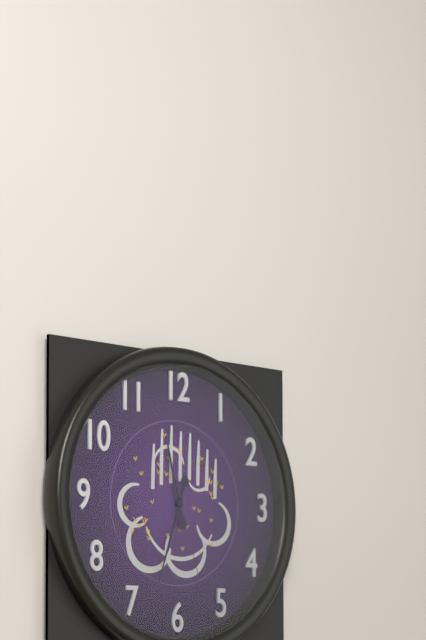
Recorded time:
11,33,27
